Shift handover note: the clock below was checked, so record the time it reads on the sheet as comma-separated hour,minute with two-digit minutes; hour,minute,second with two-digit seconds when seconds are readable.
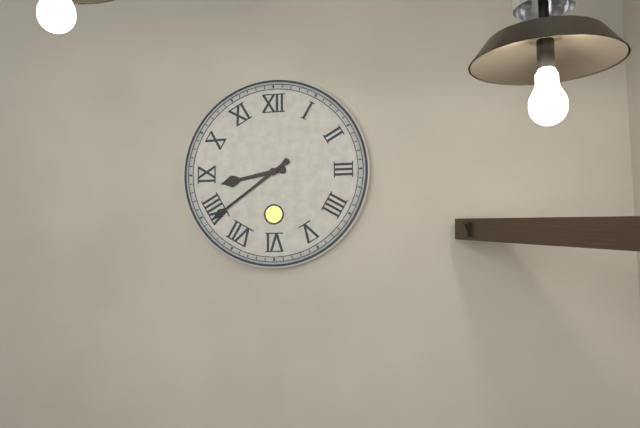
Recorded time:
8,39
